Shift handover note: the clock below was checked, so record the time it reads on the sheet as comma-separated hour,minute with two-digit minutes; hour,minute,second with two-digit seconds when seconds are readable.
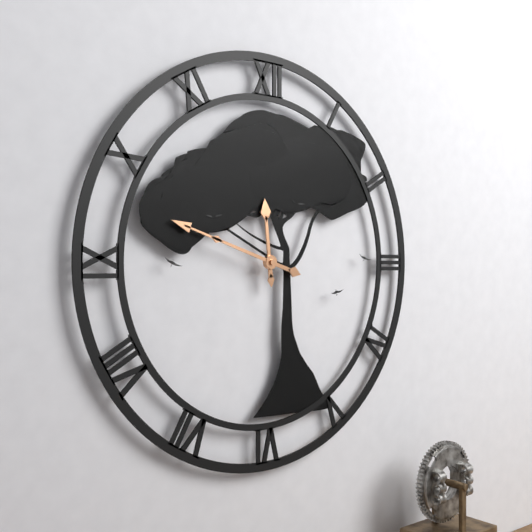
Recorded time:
11,48
